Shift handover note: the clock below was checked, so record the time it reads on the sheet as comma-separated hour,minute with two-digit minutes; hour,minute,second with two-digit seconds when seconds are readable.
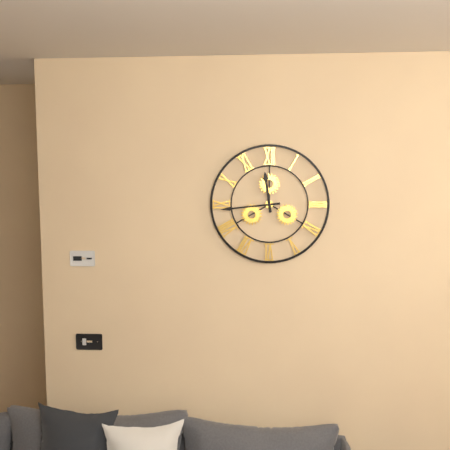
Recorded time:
11,44
